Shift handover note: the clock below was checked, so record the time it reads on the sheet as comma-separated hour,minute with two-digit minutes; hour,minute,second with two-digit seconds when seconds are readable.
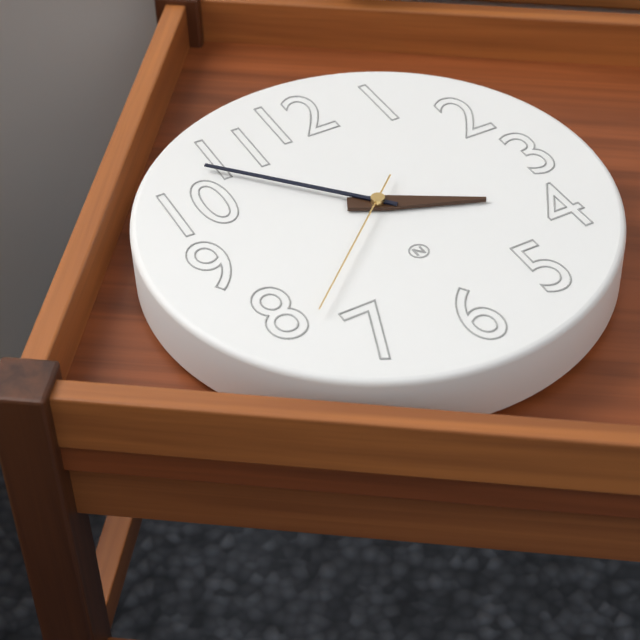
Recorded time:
3,53,38
